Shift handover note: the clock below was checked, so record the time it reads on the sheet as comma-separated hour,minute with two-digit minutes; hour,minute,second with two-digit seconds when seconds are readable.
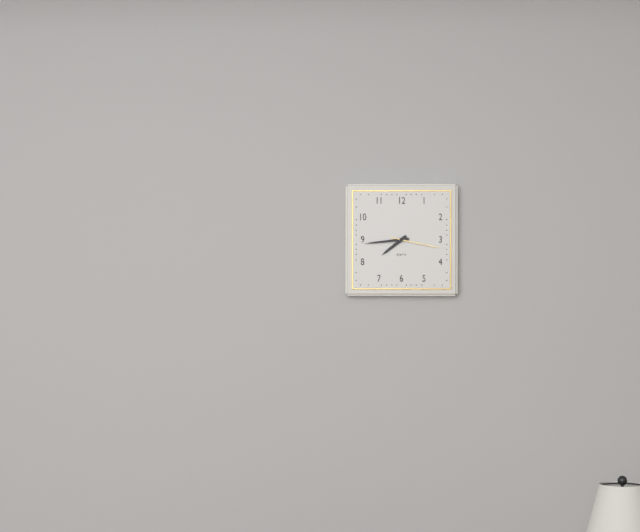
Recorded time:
7,44
